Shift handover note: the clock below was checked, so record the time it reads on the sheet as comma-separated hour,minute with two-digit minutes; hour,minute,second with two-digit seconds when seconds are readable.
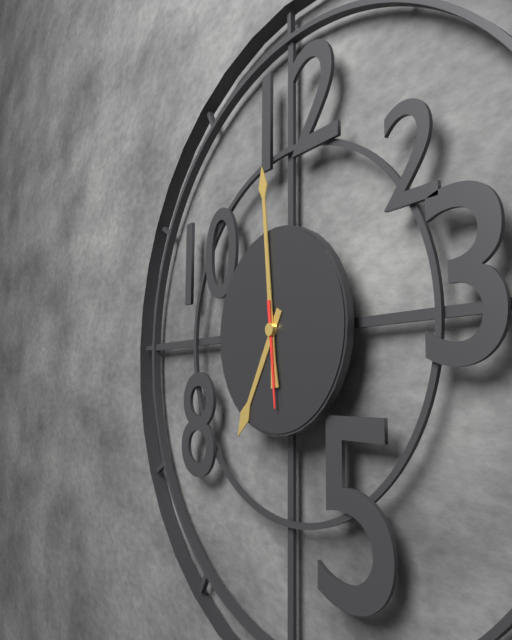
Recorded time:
6,59,29
